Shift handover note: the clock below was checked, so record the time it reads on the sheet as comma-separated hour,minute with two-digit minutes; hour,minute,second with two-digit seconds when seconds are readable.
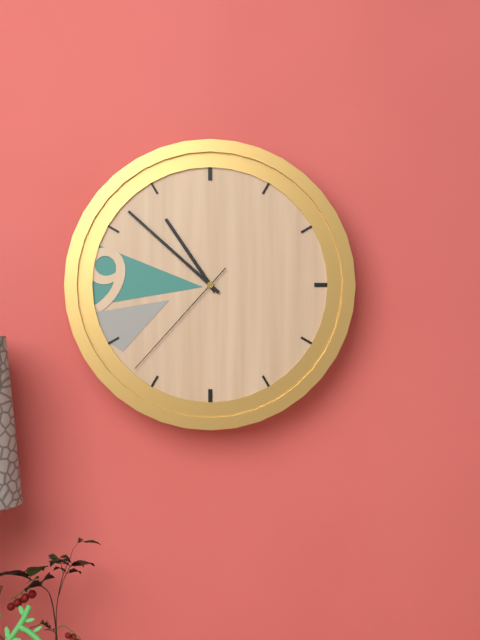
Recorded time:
10,52,37
